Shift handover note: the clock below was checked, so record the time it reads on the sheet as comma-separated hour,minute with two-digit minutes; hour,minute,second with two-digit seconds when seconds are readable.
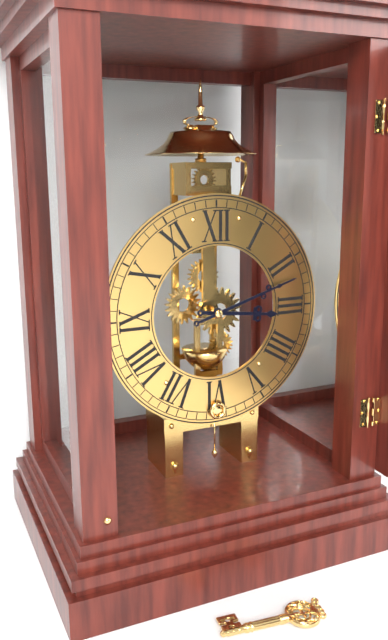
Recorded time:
3,12
